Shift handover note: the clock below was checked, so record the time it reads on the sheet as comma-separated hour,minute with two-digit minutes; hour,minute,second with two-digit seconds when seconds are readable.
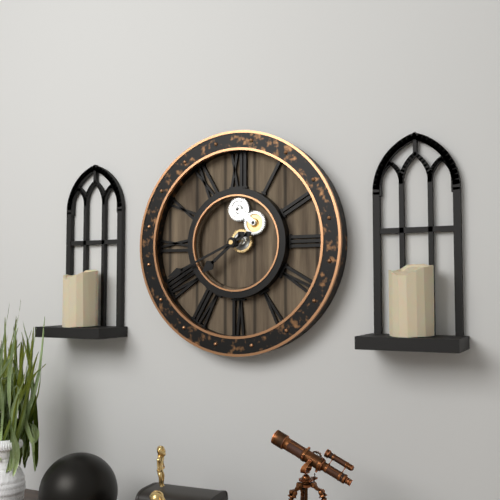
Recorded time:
7,41
